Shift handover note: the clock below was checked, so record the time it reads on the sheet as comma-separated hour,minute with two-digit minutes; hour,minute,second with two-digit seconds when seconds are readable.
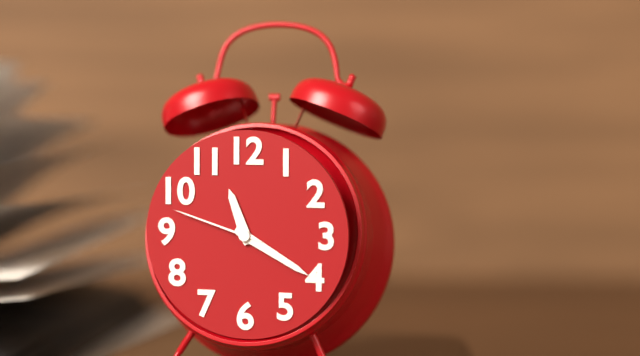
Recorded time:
11,20,48
